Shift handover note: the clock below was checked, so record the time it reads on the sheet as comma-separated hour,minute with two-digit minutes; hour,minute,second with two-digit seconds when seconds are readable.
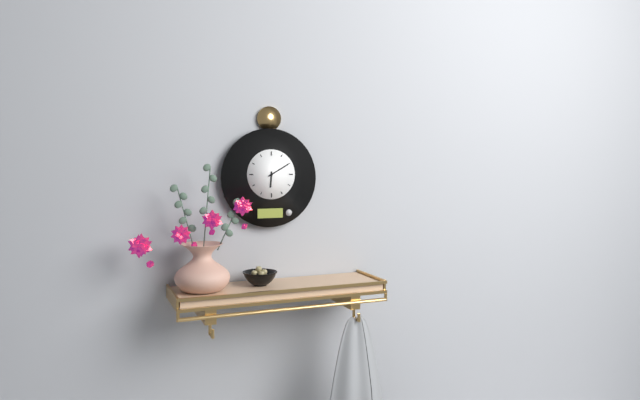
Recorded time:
6,10
